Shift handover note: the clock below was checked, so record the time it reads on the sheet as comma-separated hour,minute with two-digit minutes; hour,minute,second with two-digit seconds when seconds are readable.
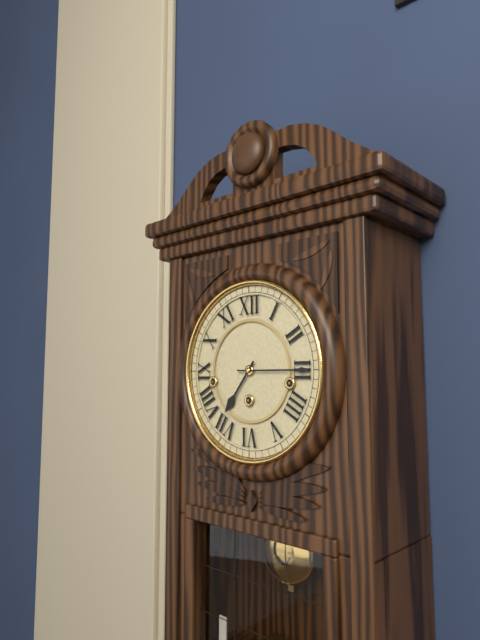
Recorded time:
7,15
